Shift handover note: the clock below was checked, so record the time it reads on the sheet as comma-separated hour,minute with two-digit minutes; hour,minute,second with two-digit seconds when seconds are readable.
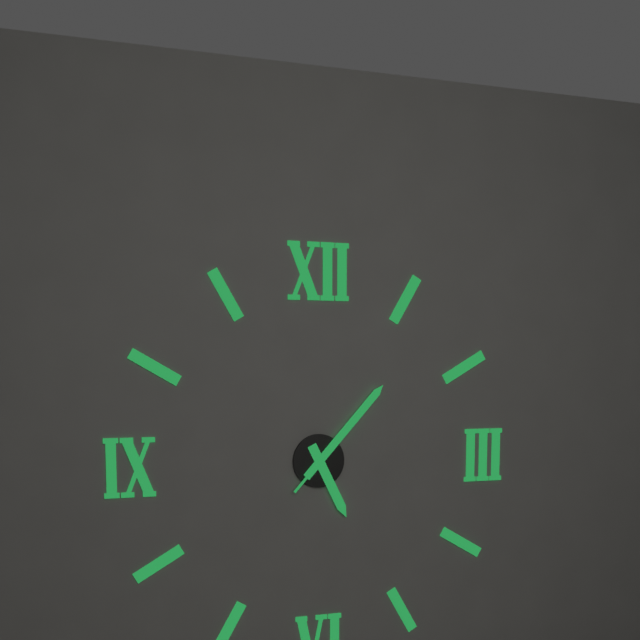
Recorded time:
5,07,07
